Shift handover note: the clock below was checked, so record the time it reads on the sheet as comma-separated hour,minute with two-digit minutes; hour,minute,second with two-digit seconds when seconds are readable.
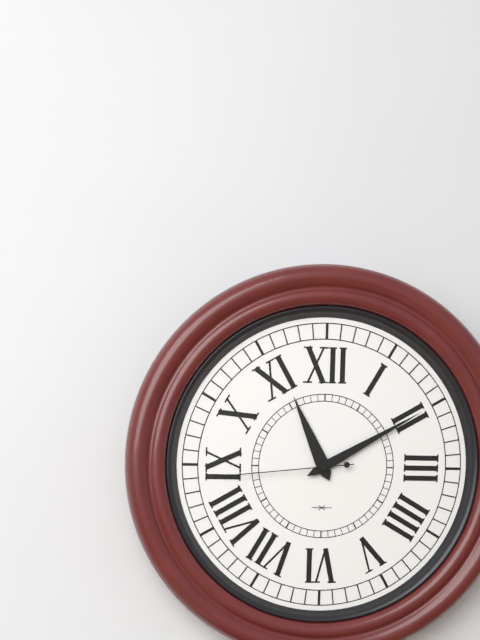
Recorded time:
11,10,44
